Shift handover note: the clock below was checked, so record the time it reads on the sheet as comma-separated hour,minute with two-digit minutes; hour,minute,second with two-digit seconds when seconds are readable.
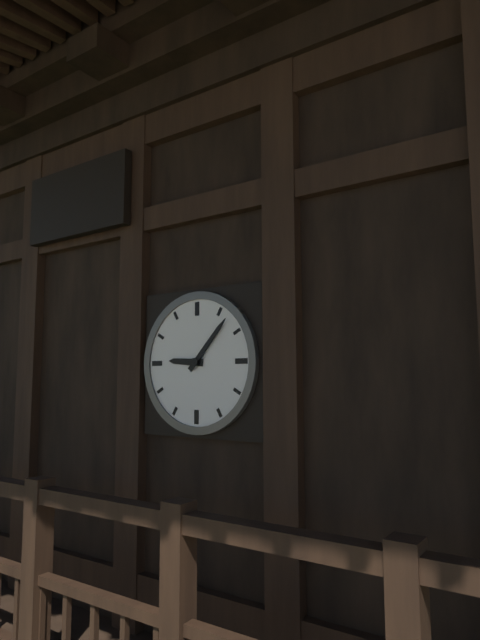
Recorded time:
9,07
